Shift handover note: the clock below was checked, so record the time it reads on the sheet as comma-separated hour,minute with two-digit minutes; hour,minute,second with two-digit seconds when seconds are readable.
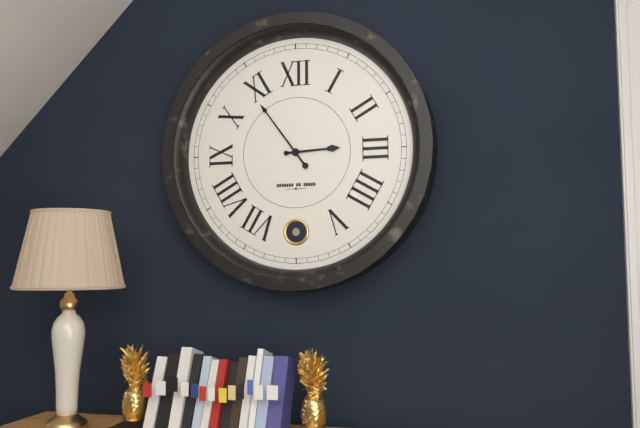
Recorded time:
2,54
